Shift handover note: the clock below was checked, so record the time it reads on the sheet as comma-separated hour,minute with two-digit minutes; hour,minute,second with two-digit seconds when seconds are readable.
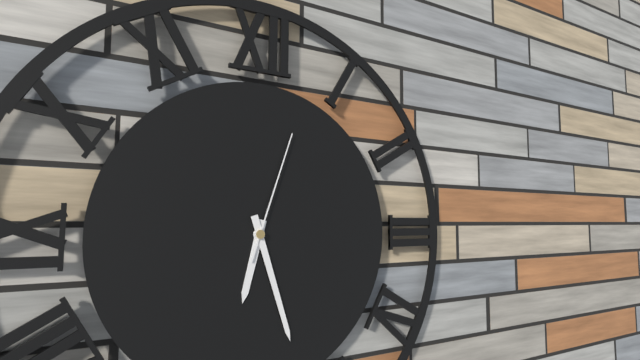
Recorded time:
6,27,03
